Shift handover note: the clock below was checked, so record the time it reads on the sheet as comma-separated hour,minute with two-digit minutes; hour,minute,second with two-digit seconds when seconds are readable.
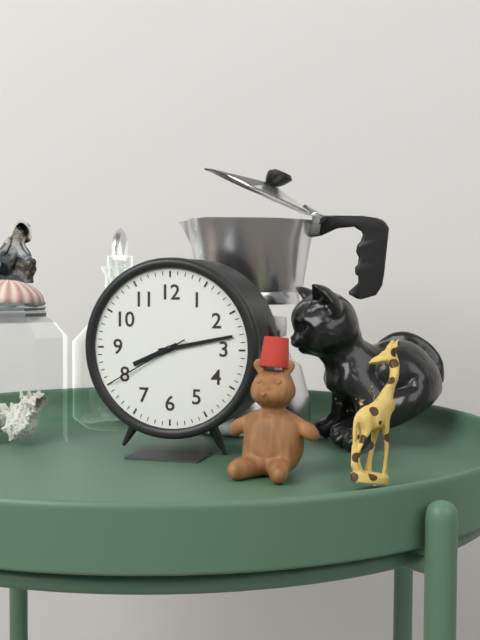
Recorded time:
8,13,40
